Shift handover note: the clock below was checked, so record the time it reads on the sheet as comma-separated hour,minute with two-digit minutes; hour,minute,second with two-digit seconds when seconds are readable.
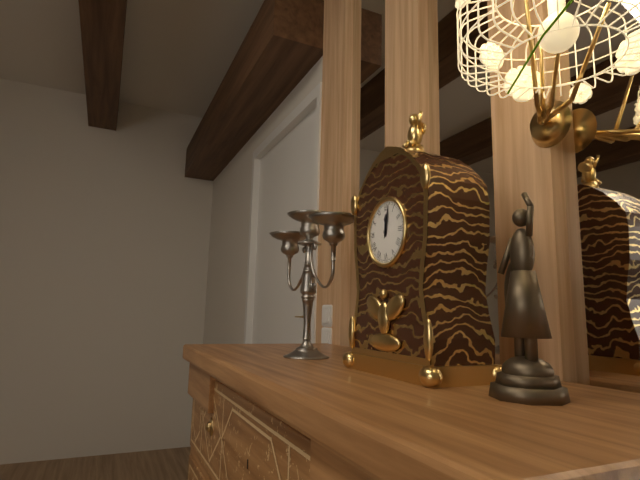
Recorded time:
12,02
